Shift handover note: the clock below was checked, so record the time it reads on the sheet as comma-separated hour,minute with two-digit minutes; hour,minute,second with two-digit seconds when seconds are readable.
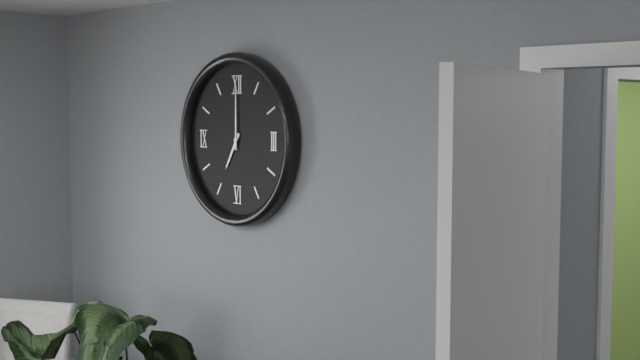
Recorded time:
7,00
